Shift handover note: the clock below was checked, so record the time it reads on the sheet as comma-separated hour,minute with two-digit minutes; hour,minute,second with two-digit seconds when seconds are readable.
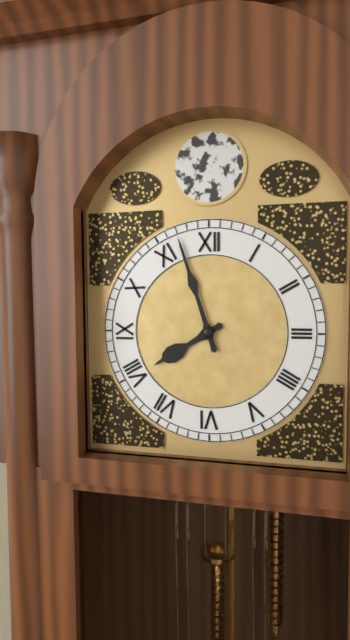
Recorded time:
7,57
